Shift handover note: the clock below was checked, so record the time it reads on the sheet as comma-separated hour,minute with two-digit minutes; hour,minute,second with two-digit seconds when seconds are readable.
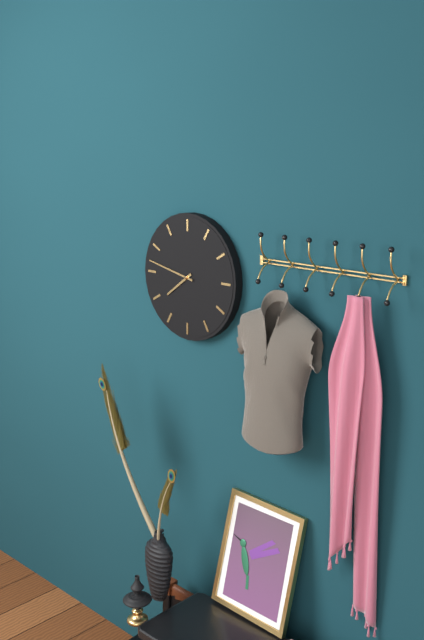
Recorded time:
7,47
